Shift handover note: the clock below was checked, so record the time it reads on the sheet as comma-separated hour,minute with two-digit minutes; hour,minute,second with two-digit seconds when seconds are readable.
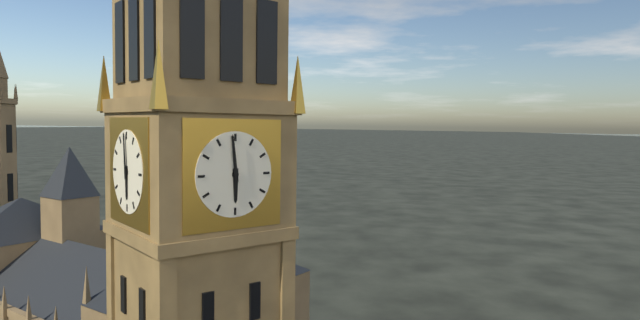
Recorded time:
5,59
